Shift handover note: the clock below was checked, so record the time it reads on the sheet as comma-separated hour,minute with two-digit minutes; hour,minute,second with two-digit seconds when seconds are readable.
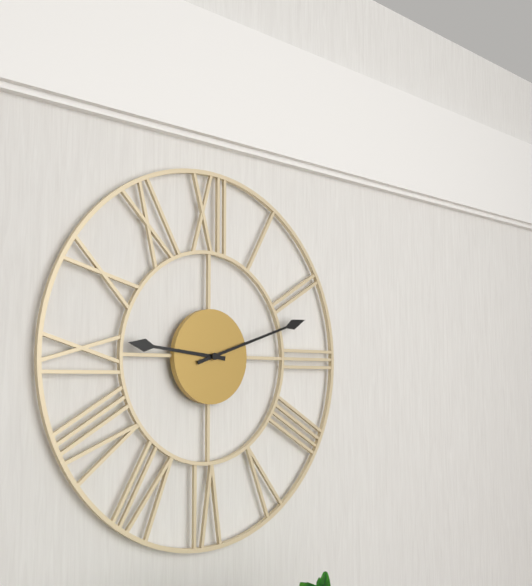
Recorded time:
9,12
